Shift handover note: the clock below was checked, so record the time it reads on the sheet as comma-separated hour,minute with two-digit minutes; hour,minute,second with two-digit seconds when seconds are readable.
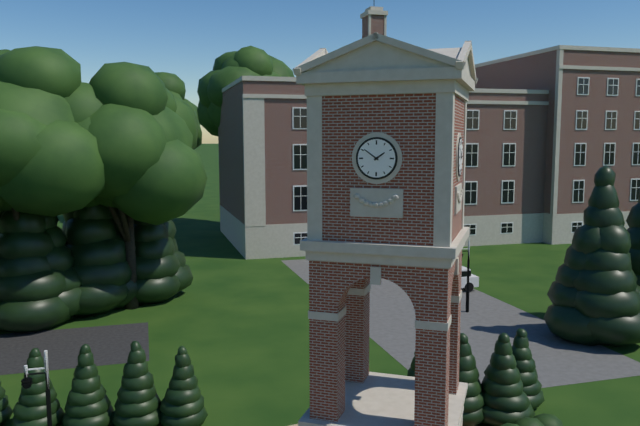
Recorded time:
1,51
